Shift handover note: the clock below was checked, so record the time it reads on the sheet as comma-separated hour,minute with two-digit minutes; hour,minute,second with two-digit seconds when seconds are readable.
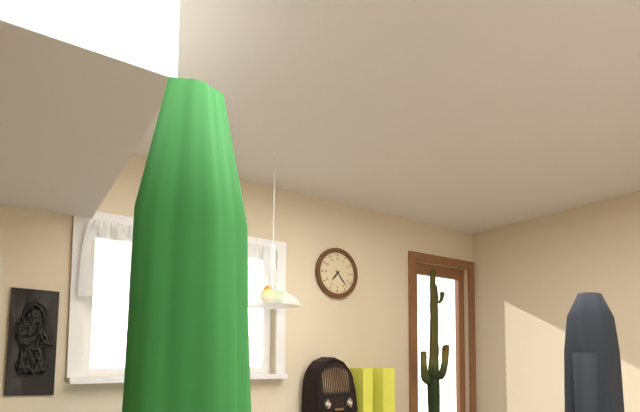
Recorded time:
7,23
